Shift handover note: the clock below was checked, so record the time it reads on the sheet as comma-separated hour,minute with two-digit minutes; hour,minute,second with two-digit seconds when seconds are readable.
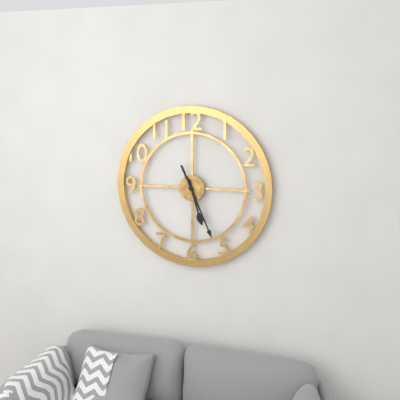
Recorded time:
5,26
